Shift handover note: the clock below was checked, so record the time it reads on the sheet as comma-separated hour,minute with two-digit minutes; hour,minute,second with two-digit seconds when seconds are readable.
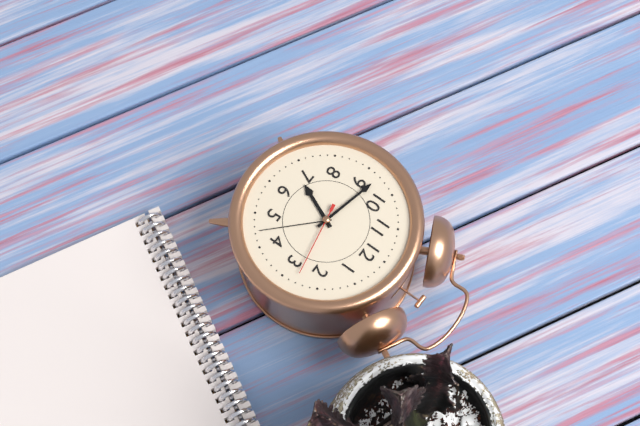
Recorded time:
6,47,13
